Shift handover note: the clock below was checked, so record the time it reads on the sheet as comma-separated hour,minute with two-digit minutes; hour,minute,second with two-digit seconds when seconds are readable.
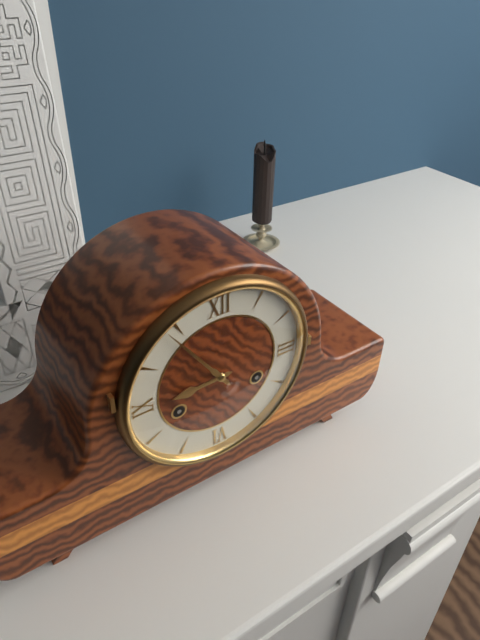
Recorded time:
8,54
